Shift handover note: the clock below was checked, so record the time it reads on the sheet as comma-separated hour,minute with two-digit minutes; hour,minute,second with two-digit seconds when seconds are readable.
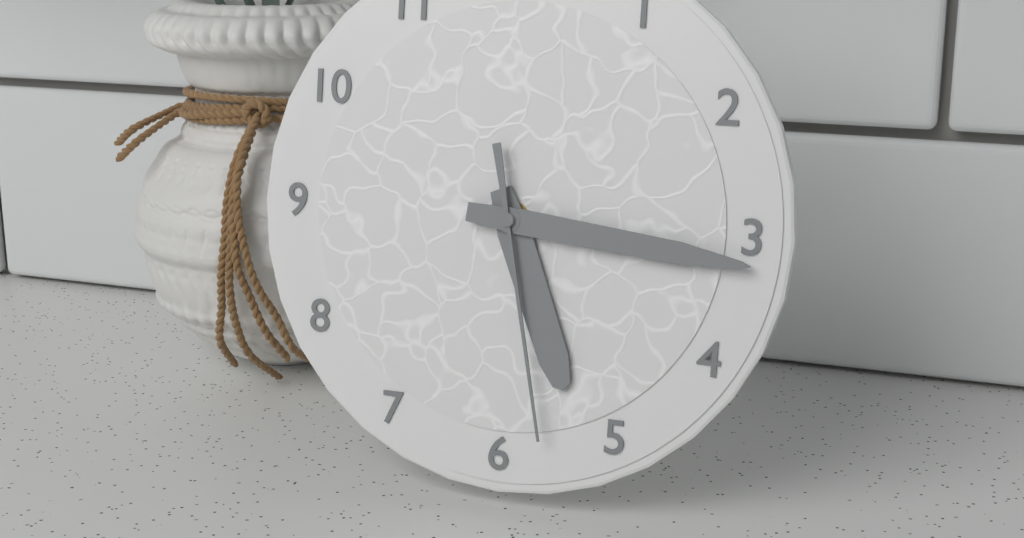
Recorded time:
5,16,28
